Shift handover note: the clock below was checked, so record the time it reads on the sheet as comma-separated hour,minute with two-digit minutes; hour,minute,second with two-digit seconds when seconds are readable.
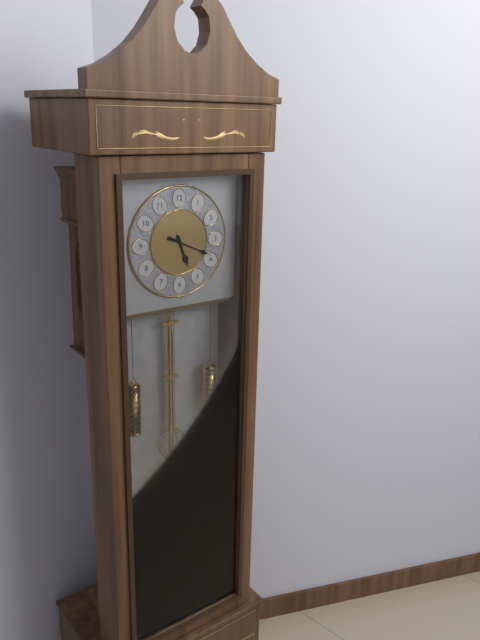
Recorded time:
5,19
